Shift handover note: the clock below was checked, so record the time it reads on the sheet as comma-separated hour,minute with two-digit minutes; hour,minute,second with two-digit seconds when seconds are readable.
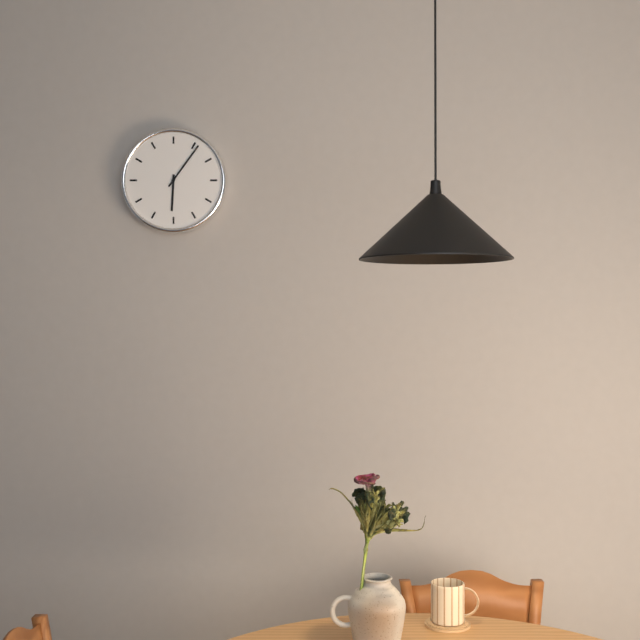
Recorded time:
6,06
